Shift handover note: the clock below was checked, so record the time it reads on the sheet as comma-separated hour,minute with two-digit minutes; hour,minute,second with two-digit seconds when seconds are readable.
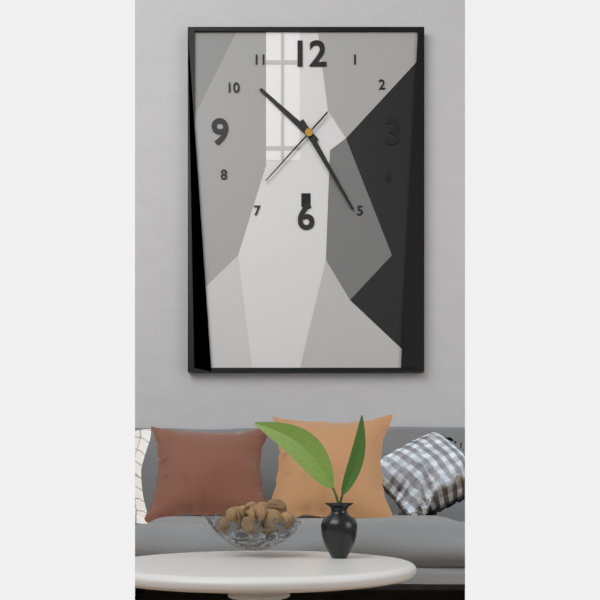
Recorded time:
10,25,37
